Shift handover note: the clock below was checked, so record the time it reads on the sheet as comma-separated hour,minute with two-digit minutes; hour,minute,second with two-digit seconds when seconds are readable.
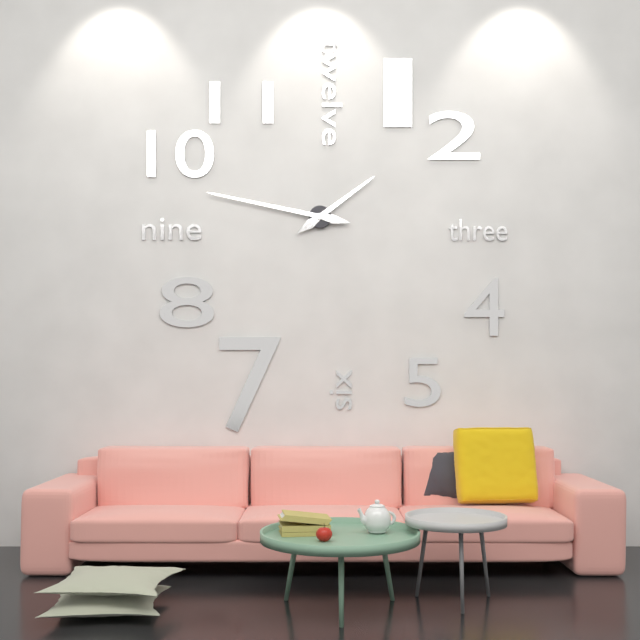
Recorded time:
1,47
